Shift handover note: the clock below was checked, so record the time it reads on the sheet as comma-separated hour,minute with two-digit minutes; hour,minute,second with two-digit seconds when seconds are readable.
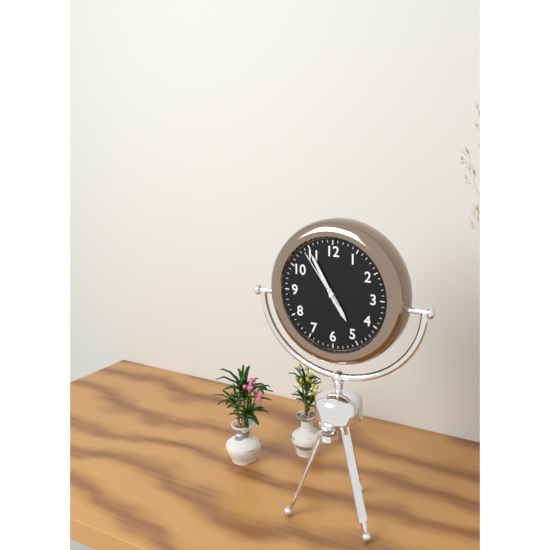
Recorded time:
4,55,54
